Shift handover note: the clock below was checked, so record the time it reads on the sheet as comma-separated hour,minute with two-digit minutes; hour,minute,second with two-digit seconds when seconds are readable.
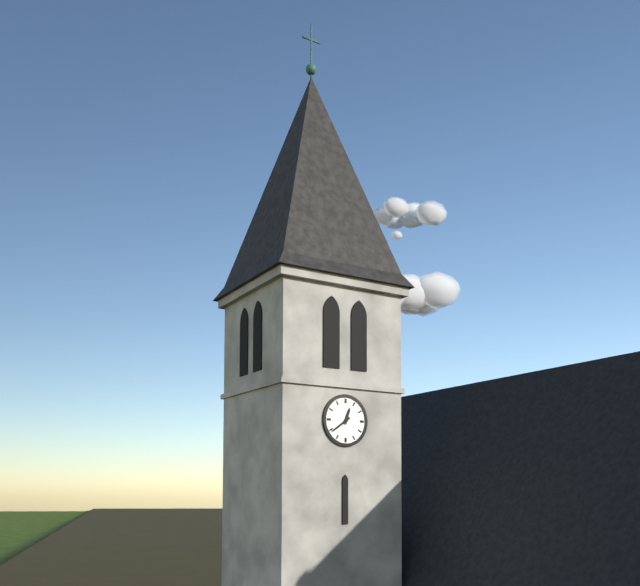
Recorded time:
12,39
